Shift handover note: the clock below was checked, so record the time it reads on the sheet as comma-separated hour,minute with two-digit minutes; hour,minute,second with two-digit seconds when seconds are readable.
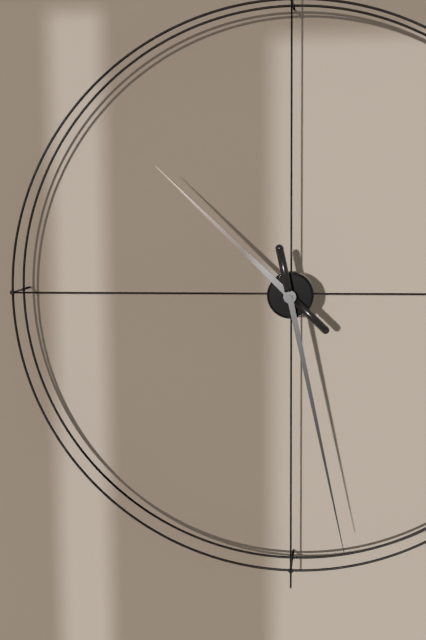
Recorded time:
10,28
